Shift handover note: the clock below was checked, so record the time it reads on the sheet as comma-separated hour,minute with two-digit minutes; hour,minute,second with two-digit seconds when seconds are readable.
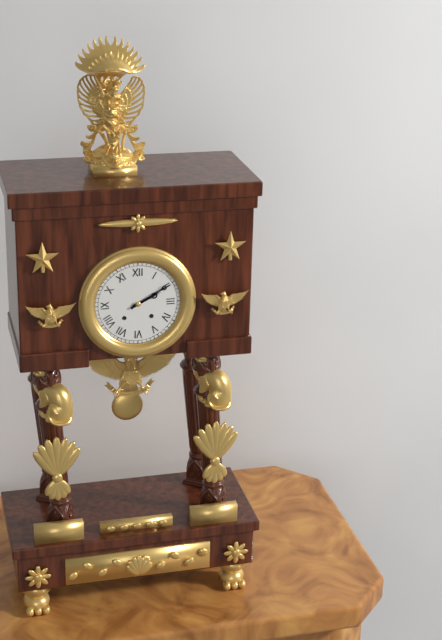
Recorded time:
2,10
